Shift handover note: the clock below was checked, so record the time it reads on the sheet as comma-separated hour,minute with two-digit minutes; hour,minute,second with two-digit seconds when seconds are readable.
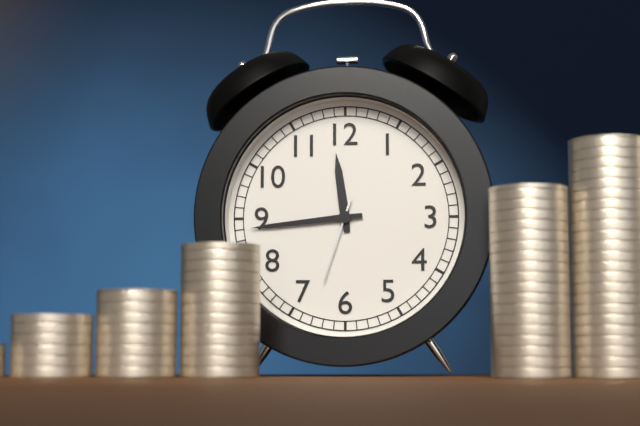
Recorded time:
11,44,33
